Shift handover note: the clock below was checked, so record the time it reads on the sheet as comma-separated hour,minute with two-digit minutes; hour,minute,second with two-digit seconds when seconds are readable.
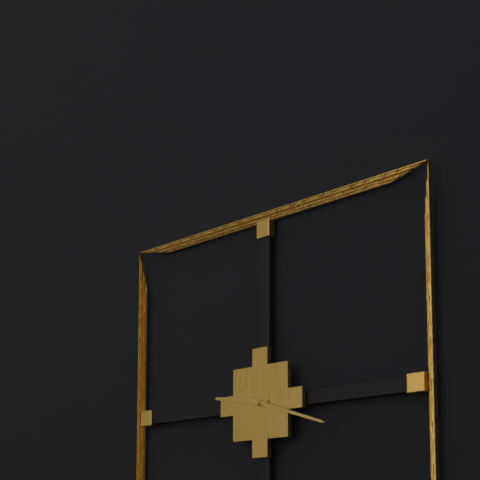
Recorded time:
9,18
